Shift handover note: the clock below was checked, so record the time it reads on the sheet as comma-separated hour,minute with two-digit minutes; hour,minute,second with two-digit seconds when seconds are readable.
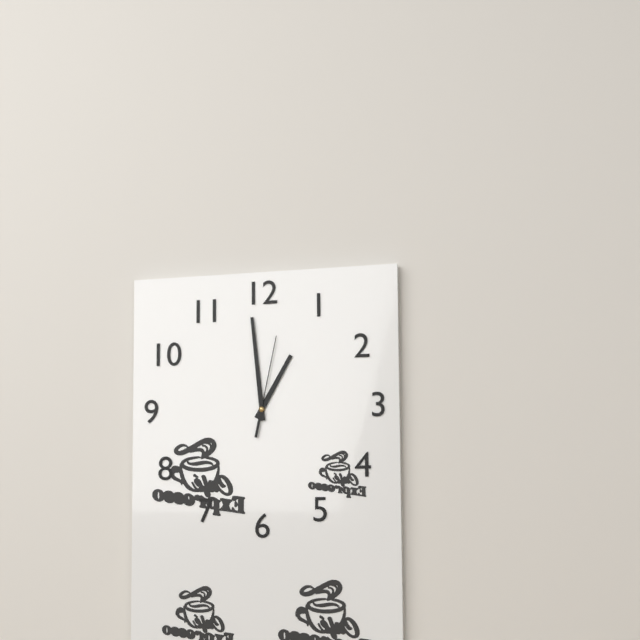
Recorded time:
12,59,02
